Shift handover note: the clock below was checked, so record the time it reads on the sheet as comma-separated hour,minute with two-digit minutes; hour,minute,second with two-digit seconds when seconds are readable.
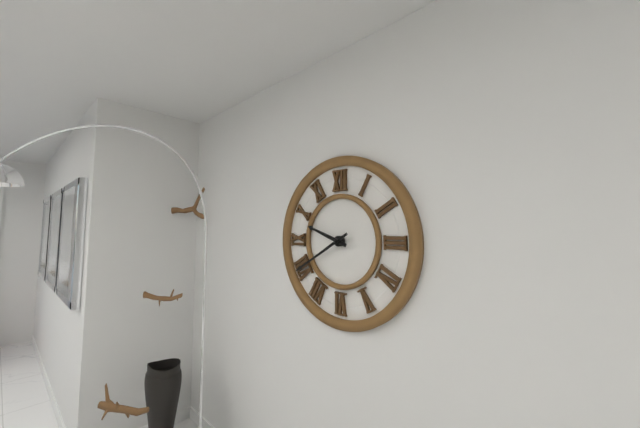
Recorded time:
9,40
